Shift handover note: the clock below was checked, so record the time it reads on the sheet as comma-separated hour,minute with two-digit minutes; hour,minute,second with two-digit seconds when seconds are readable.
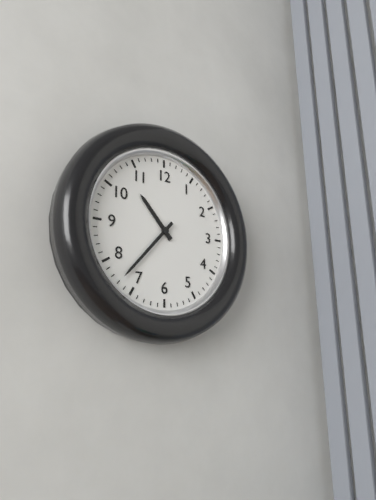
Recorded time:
10,37
